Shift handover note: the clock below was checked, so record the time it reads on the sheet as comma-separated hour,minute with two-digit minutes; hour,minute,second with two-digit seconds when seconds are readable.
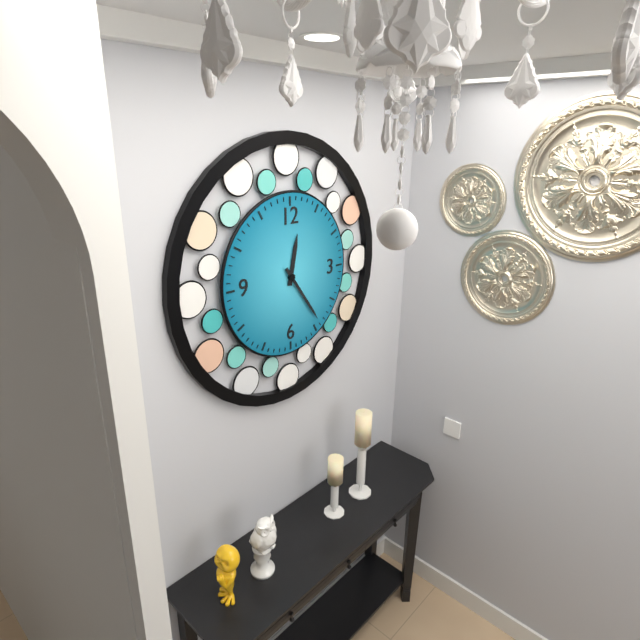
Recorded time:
12,24
